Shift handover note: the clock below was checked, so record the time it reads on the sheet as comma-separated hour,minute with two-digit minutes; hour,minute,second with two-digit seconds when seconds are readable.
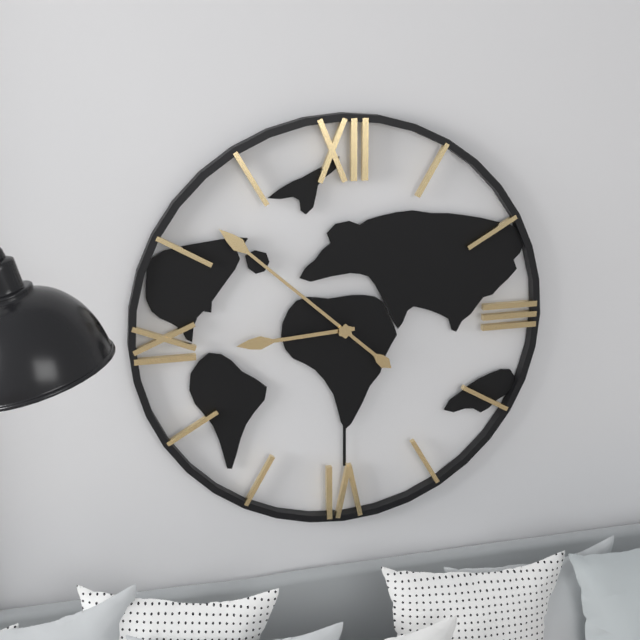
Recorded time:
8,52
